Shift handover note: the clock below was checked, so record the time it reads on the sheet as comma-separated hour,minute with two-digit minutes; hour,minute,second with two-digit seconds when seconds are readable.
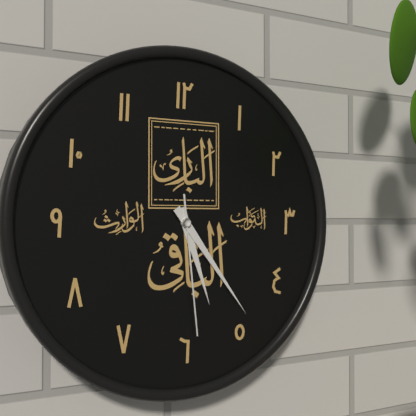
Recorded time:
5,24,29
